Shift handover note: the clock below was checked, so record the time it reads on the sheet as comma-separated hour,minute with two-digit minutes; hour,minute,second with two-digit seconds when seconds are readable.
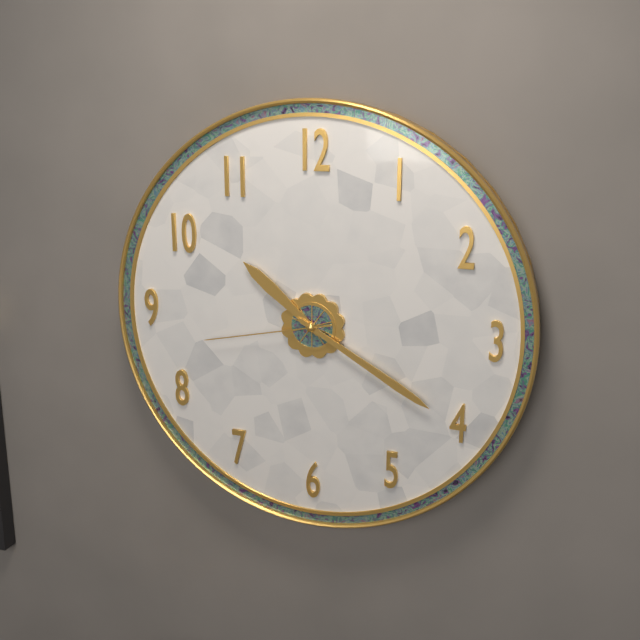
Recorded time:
10,20,43
